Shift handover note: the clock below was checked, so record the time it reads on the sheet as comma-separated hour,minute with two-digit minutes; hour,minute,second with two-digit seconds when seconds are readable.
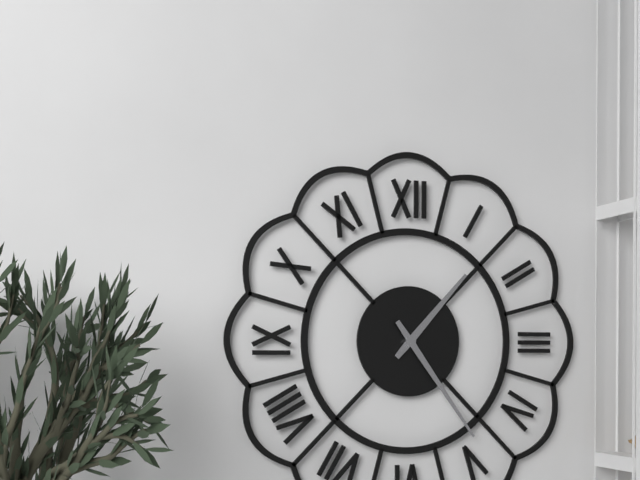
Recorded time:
1,24
